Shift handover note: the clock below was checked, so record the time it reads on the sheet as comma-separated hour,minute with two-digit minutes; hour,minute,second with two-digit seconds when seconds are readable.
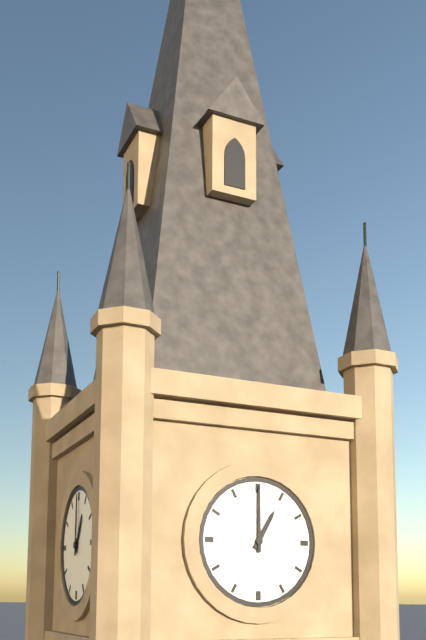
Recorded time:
1,00
